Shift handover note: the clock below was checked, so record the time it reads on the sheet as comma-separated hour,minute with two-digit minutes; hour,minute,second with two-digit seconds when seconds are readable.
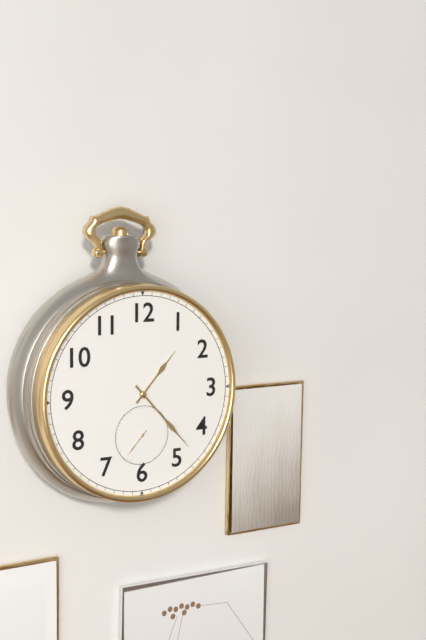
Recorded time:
1,23
